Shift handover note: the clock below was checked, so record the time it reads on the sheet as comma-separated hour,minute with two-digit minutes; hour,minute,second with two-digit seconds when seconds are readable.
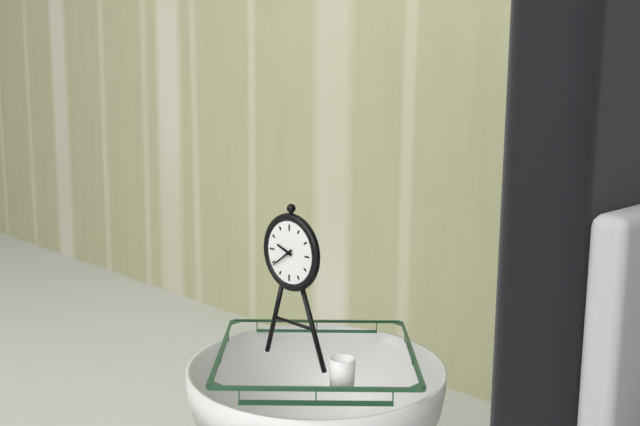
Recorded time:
9,39
